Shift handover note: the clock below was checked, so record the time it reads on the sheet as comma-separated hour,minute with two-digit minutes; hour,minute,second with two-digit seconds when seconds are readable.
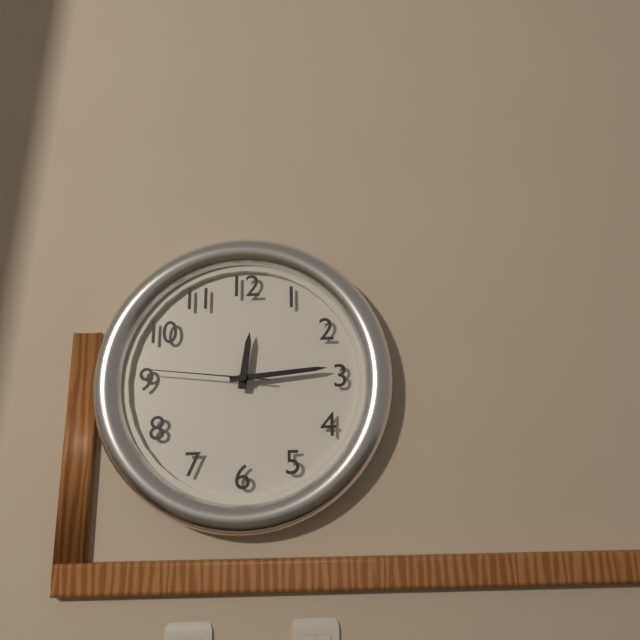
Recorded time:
12,14,46
